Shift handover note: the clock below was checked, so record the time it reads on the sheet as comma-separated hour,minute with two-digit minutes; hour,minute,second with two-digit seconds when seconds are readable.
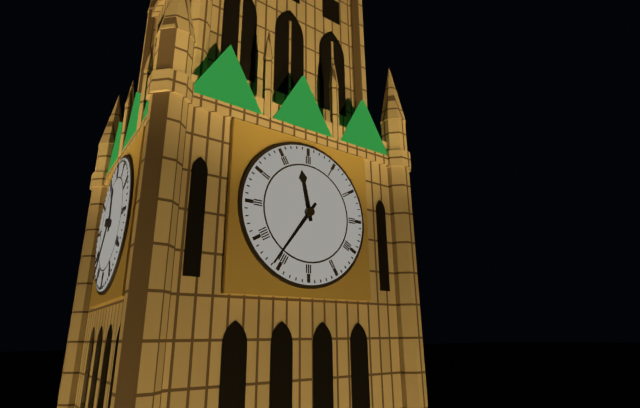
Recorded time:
11,36
